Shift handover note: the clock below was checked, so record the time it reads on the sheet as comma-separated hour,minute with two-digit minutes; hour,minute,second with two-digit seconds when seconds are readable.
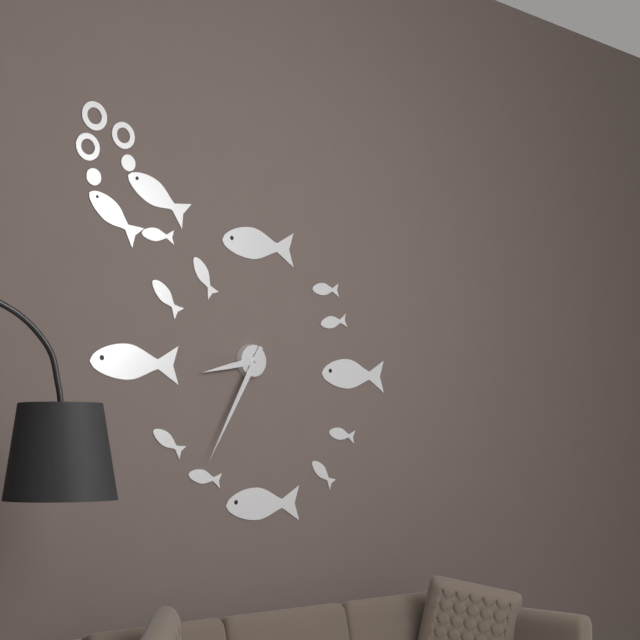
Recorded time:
8,35
